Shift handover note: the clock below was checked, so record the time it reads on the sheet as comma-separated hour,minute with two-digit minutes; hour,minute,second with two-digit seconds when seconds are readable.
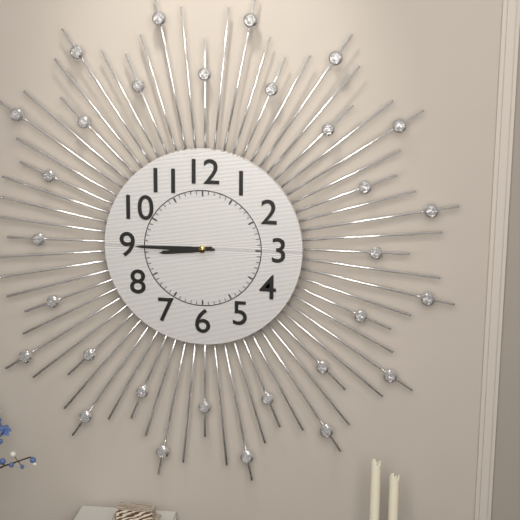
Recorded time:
8,45
